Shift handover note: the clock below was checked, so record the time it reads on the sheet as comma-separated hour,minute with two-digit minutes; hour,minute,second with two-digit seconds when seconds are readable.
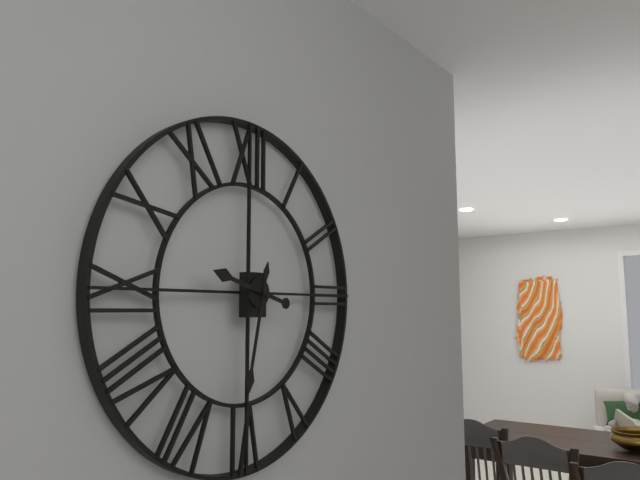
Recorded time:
9,32
